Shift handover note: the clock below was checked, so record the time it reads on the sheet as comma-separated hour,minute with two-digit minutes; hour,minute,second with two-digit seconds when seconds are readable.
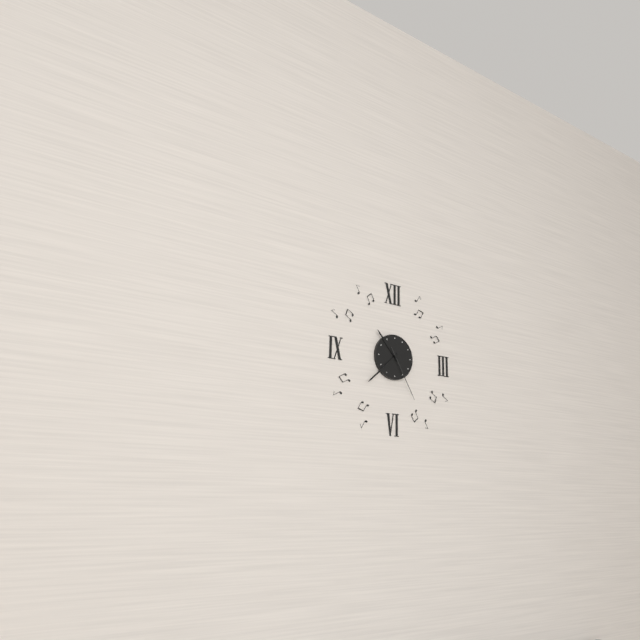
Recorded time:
10,38,25
